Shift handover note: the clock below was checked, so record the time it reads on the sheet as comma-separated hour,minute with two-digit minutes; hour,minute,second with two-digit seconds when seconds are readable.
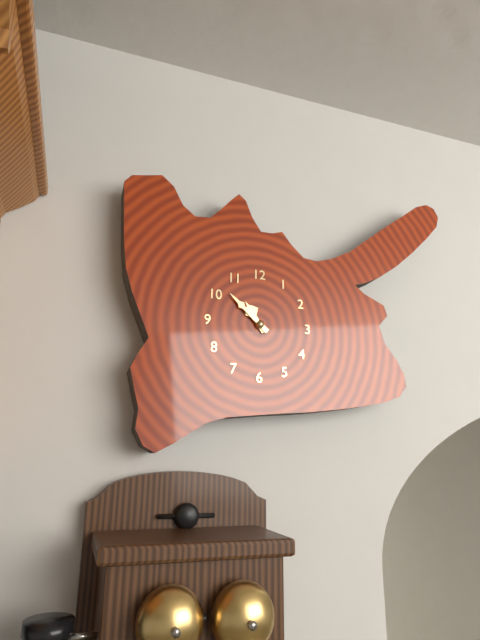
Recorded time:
10,52
